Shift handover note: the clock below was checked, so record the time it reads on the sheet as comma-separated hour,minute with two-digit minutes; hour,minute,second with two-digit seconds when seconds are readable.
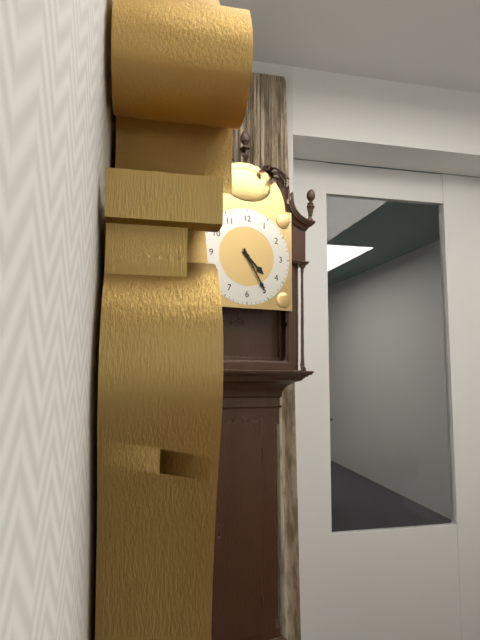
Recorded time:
4,25
